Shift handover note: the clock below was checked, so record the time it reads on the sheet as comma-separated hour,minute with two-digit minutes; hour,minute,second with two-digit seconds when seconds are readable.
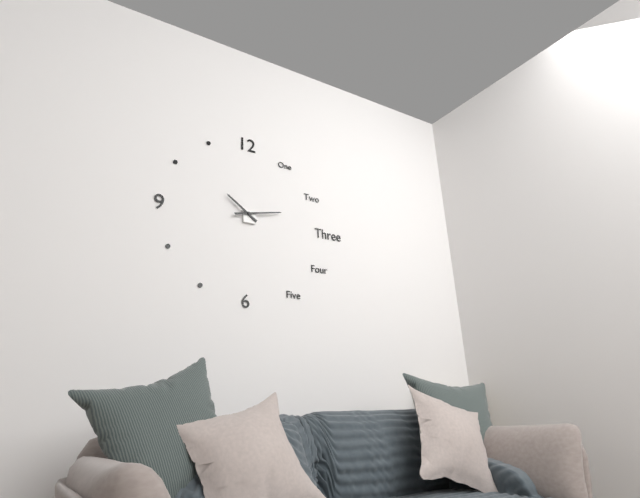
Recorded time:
10,13
